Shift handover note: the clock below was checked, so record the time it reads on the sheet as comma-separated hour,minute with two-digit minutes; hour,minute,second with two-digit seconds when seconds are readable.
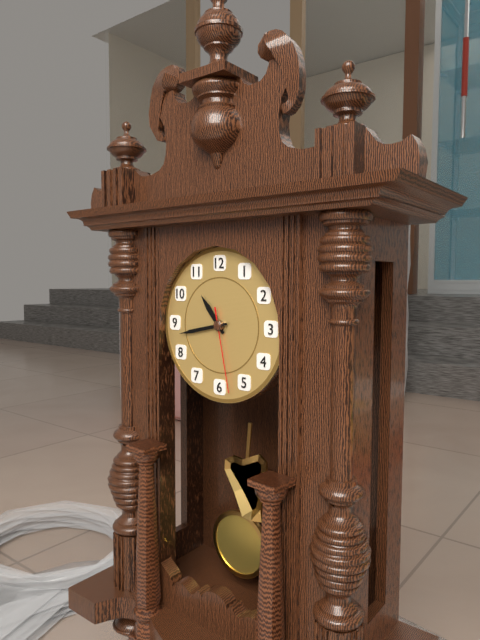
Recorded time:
10,43,28
